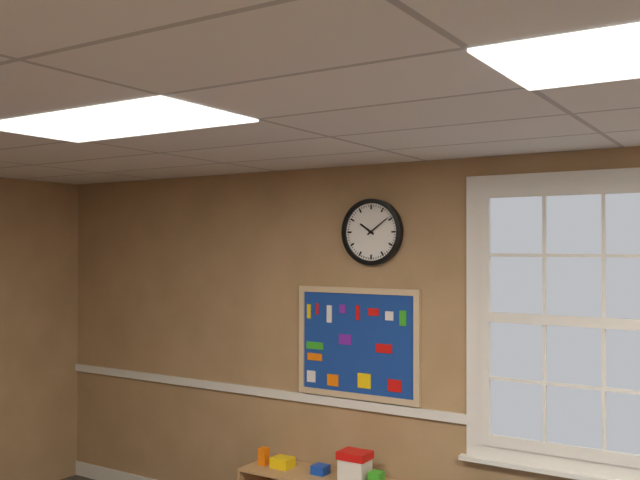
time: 10:09
